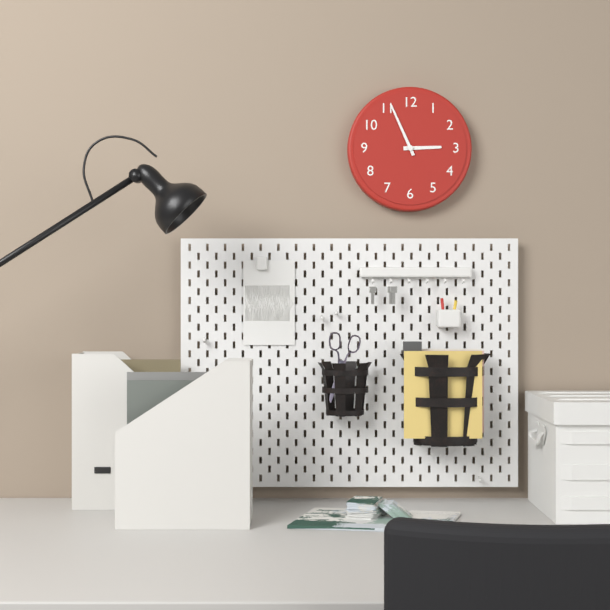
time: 2:56
